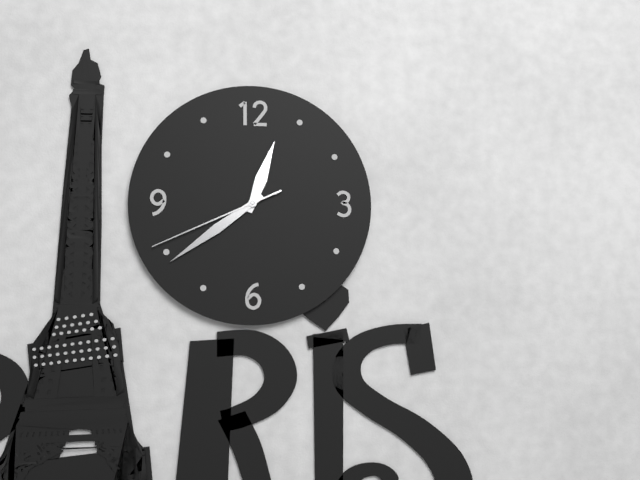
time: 12:39:41
